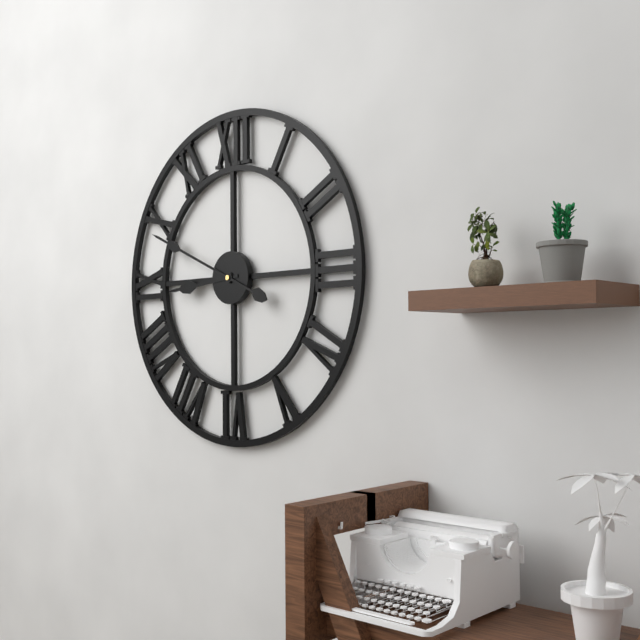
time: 8:49
